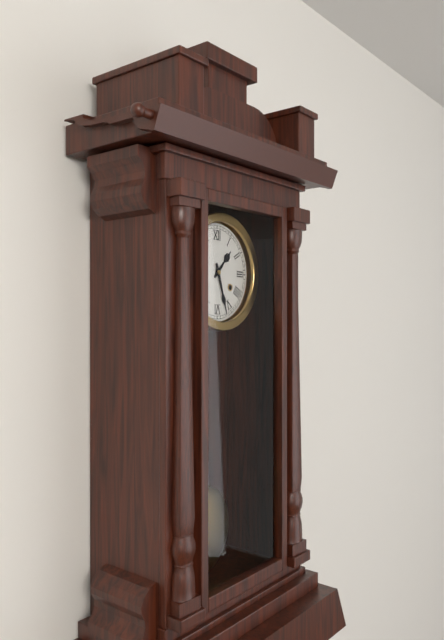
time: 1:27
